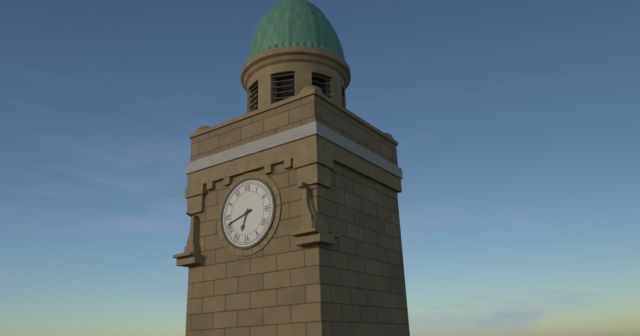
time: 6:42
